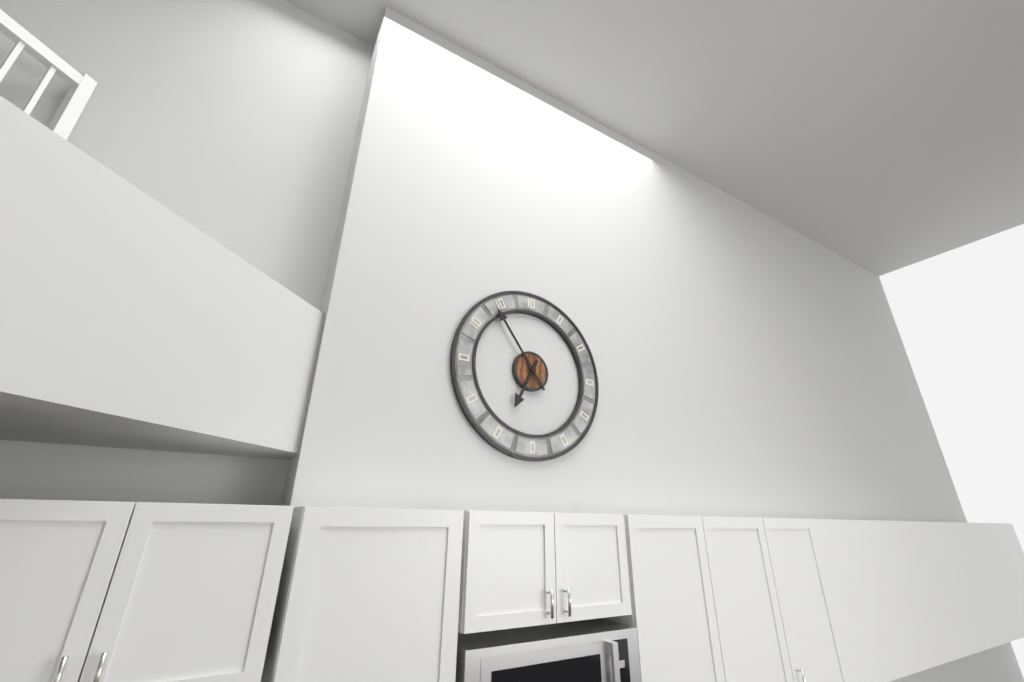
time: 6:54
